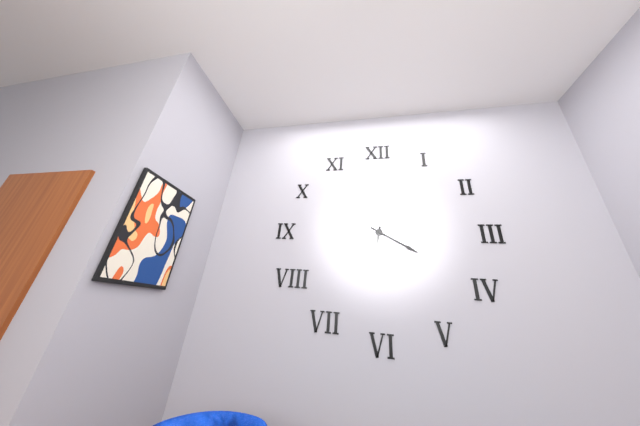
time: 6:20
